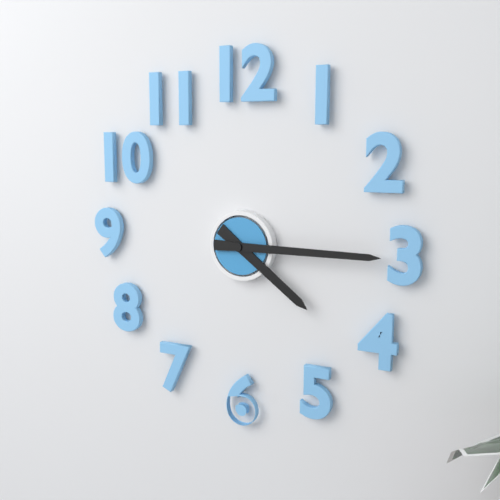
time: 4:15
